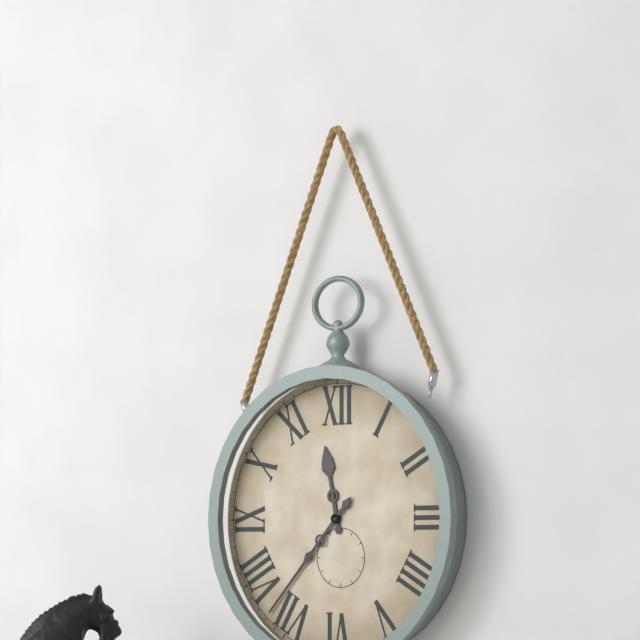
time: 11:37
